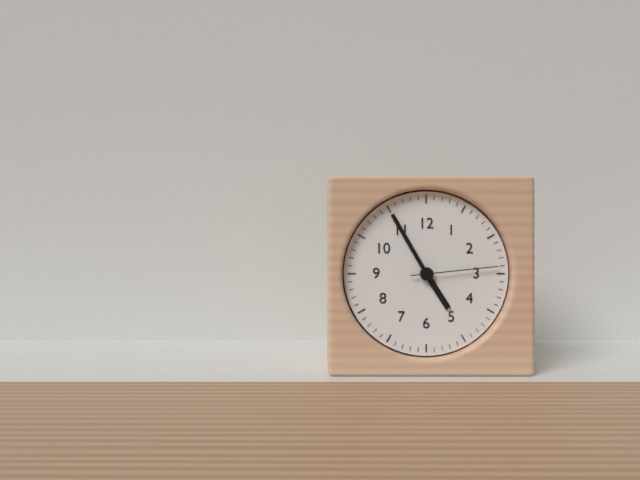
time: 4:55:14
